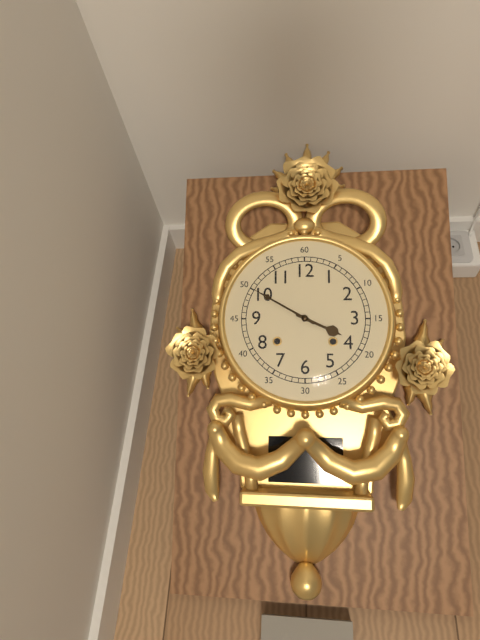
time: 3:50
